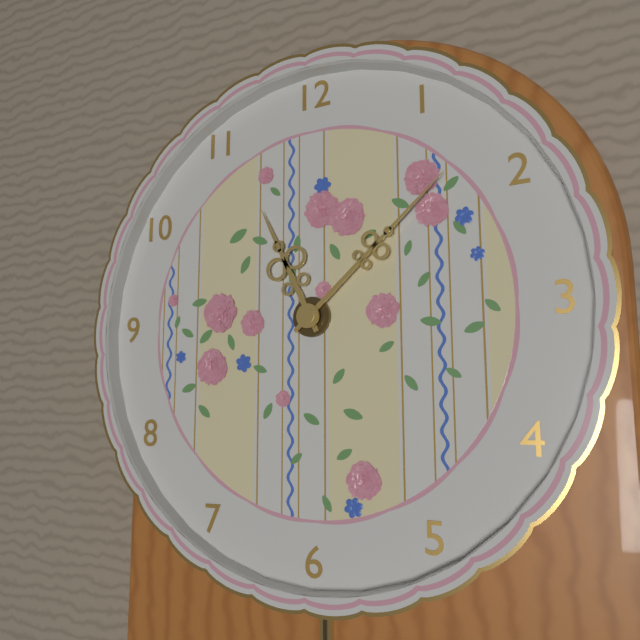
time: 11:08
